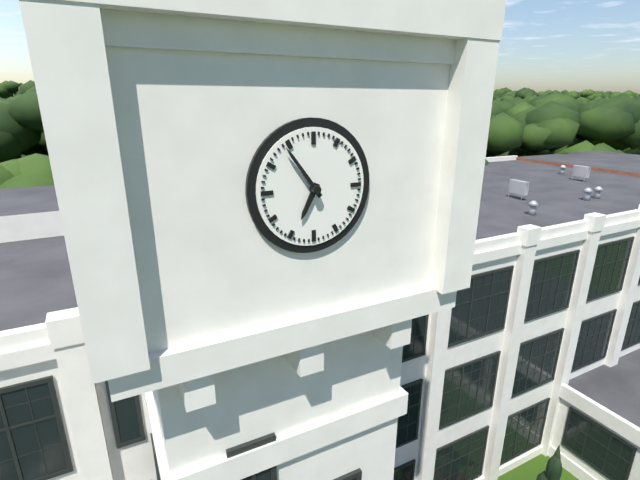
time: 6:54
